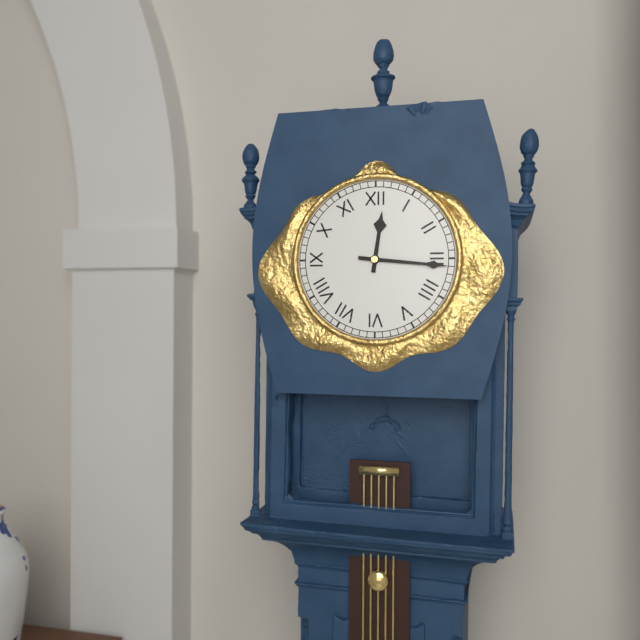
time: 12:16
